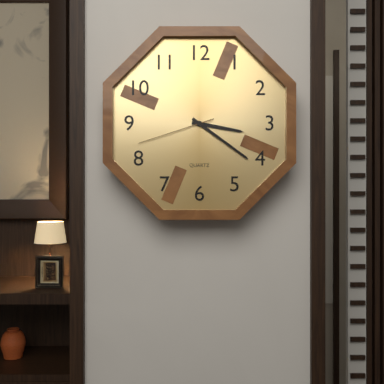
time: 3:21:42
